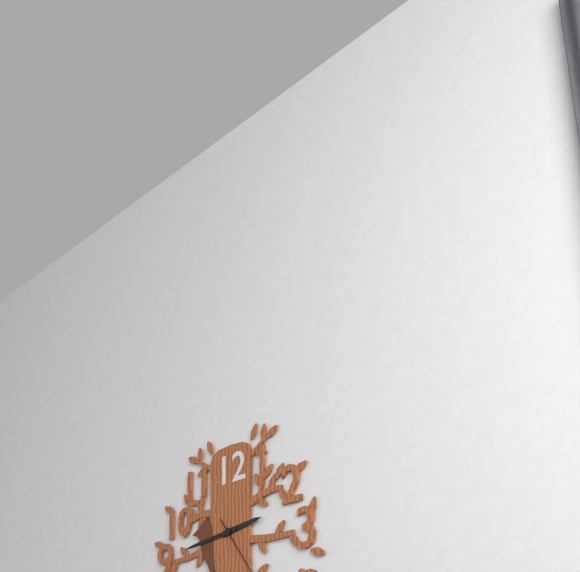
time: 2:44
